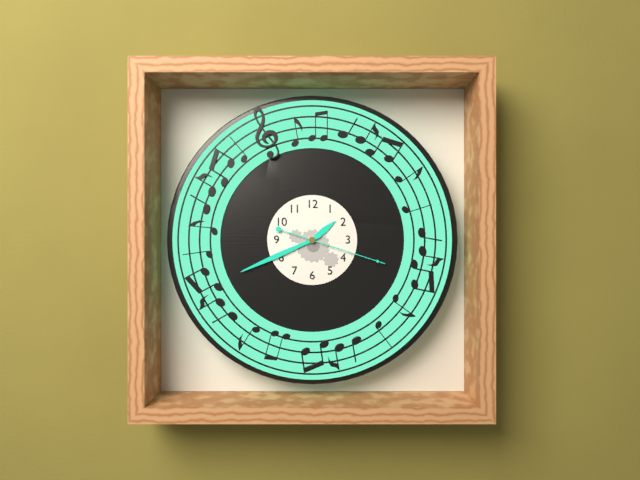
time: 1:41:18
